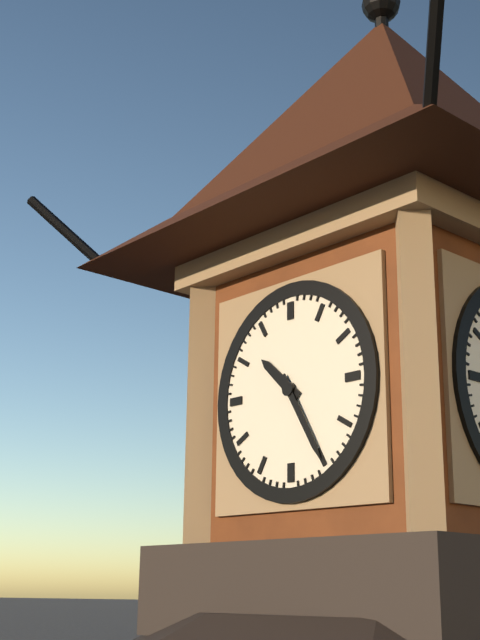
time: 10:25
